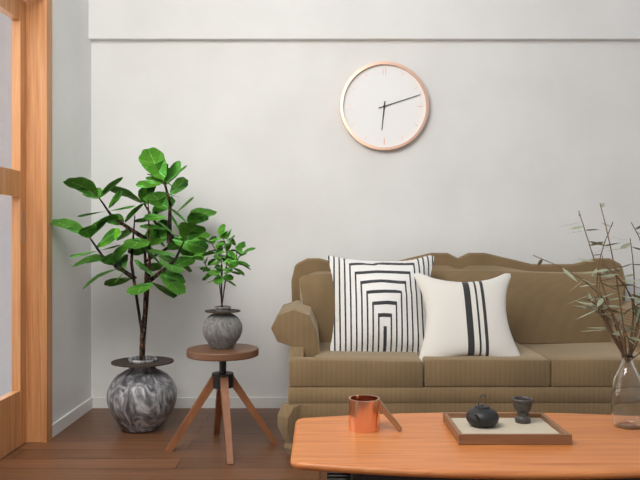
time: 6:12
